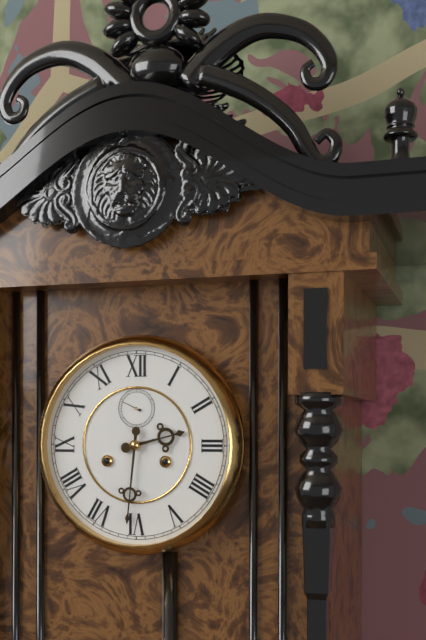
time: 2:31
